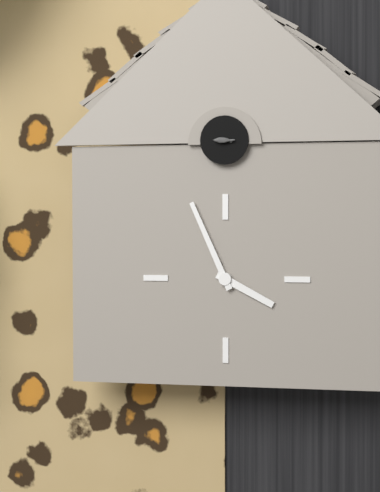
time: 3:56
